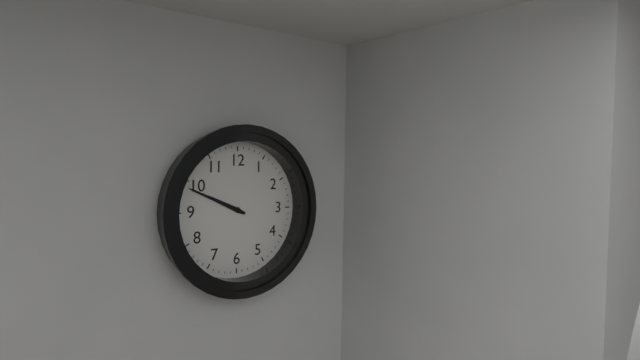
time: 9:49
